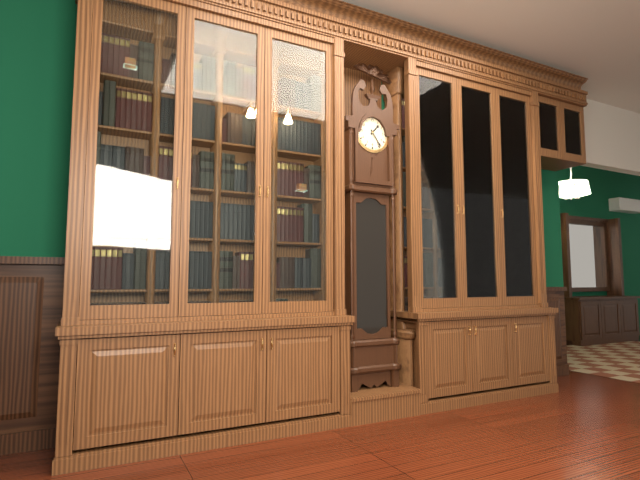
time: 1:24
